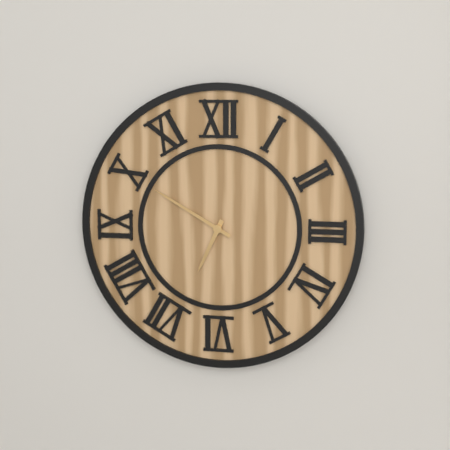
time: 6:50
